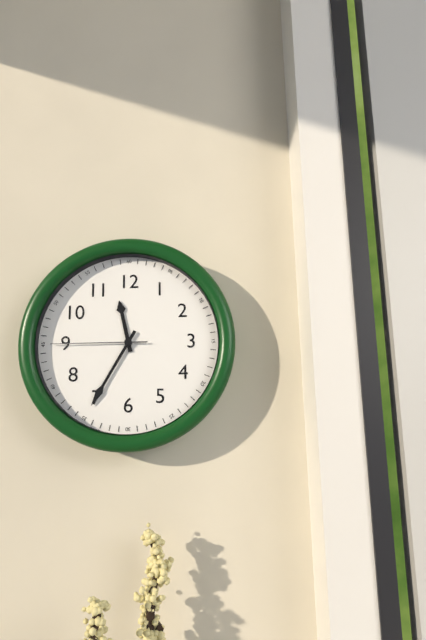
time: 11:35:45
